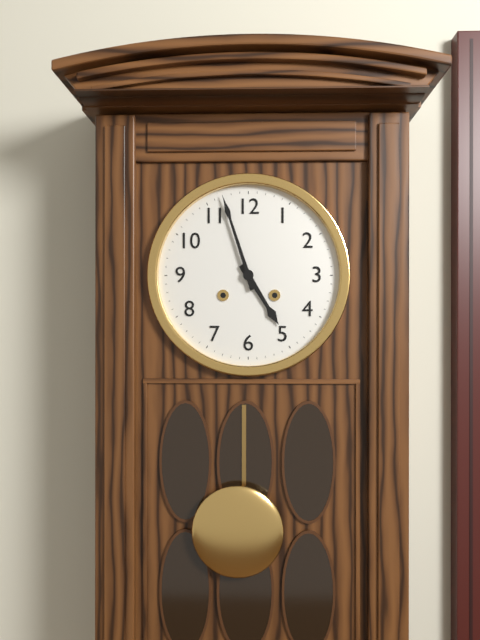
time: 4:57
